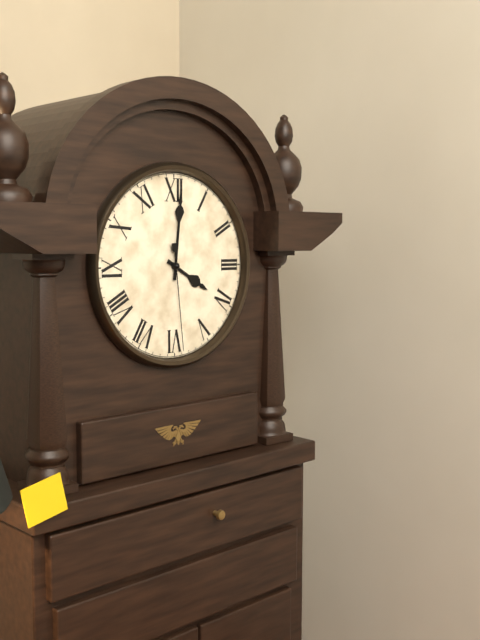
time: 4:01:29
